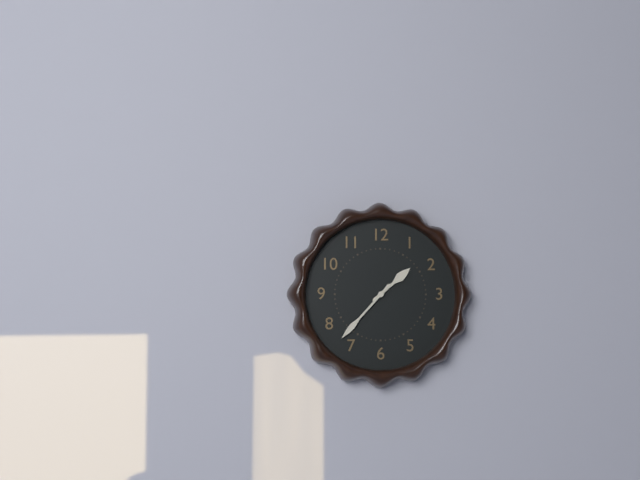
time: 1:37
